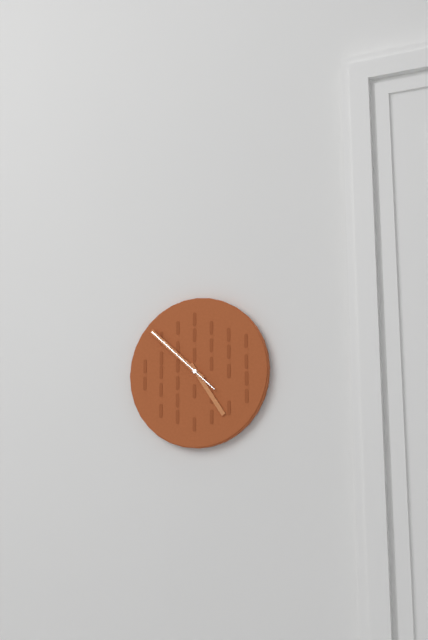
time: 4:52:52
